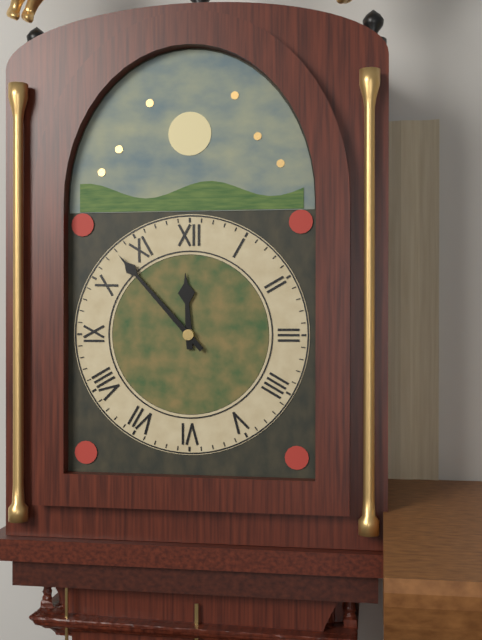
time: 11:53
